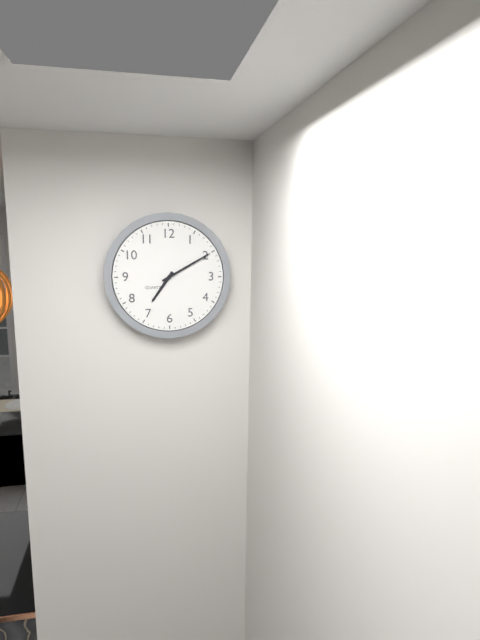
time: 7:10
